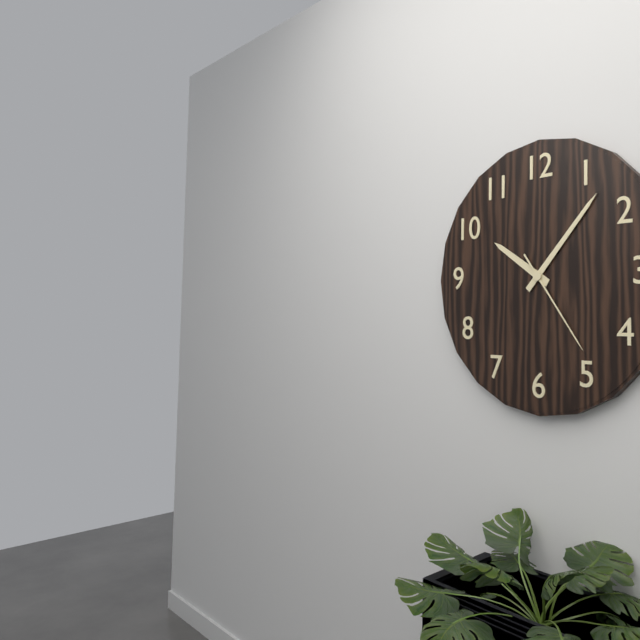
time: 10:07:24
